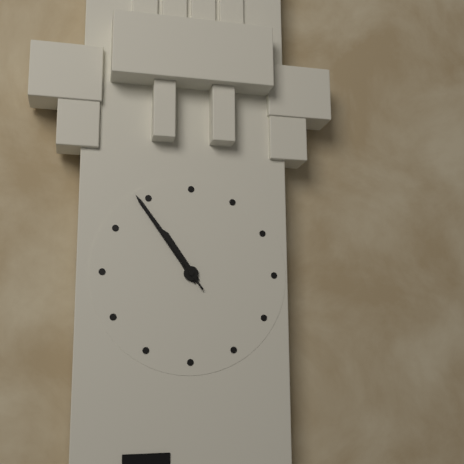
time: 10:54:54
